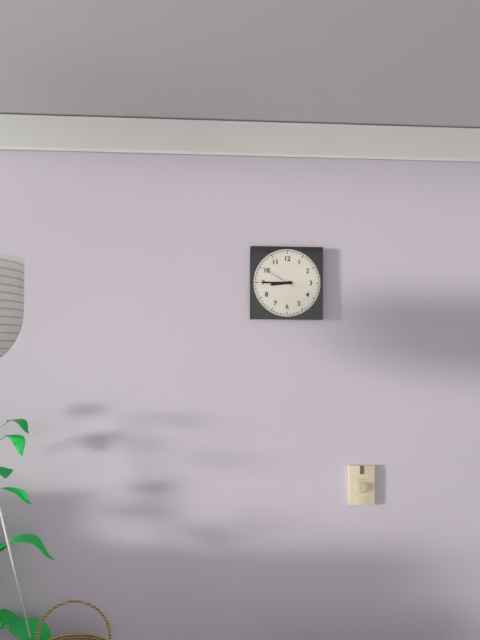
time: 8:45
